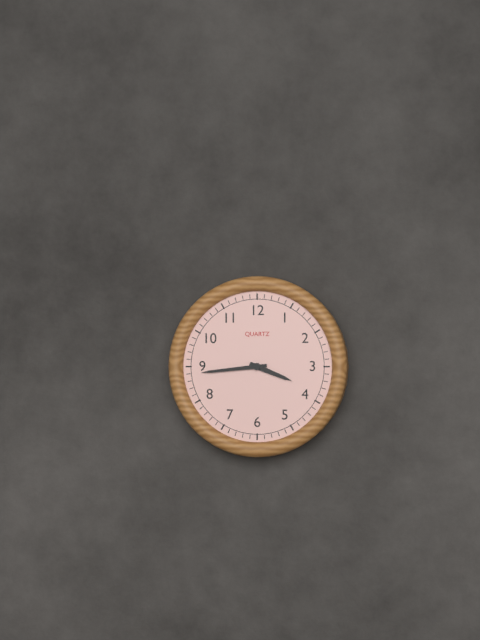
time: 3:44
